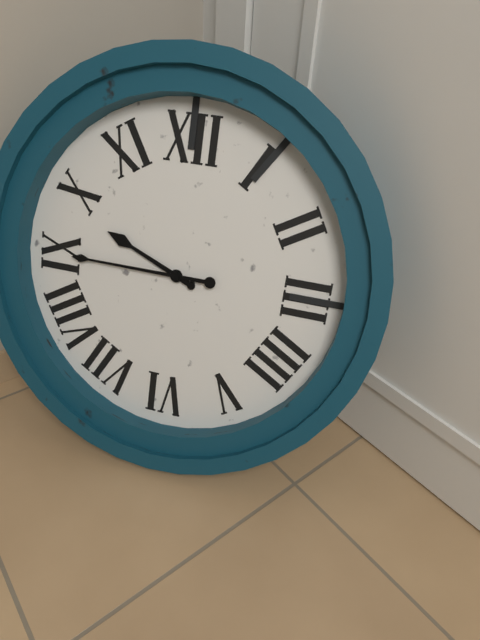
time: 9:45
